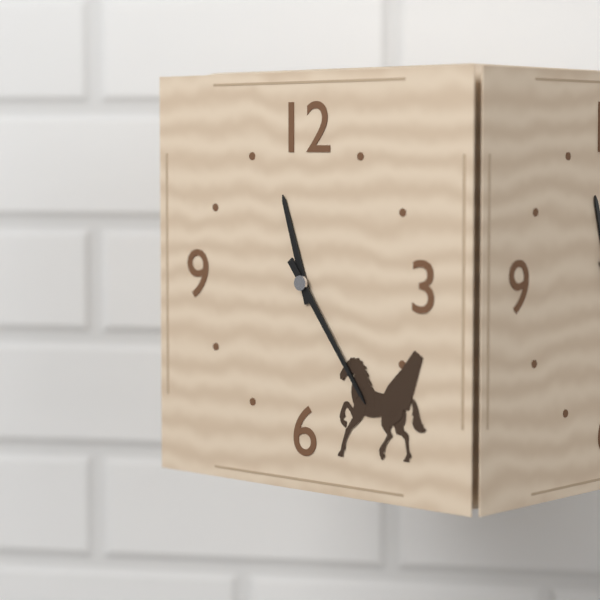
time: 11:24
